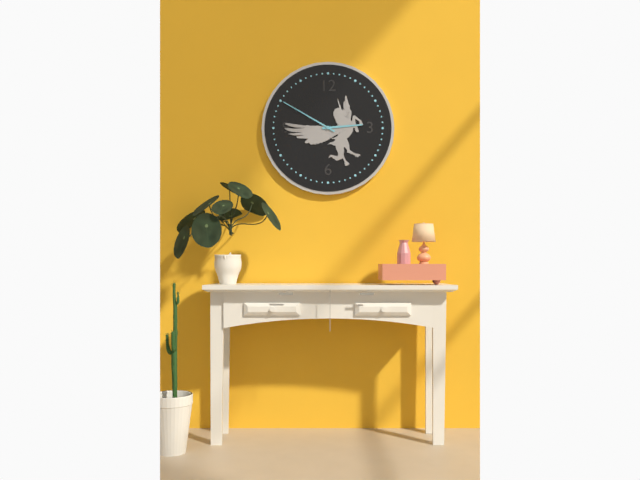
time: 2:50
